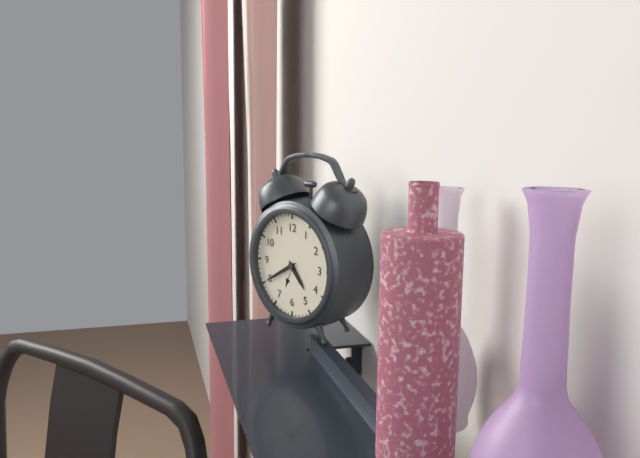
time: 4:40
